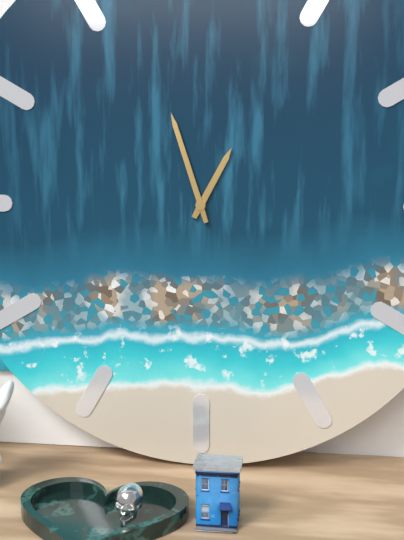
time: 12:57
